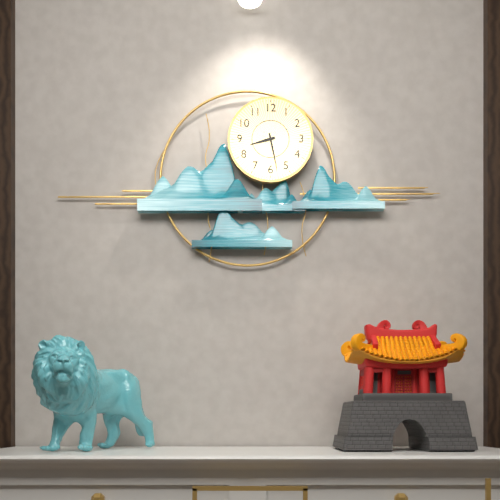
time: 8:28
